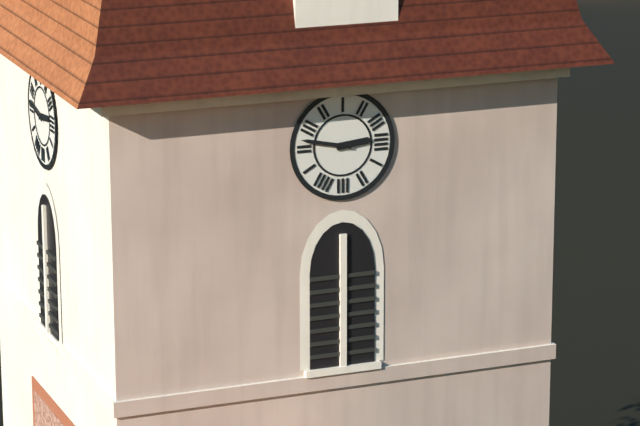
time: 2:47
